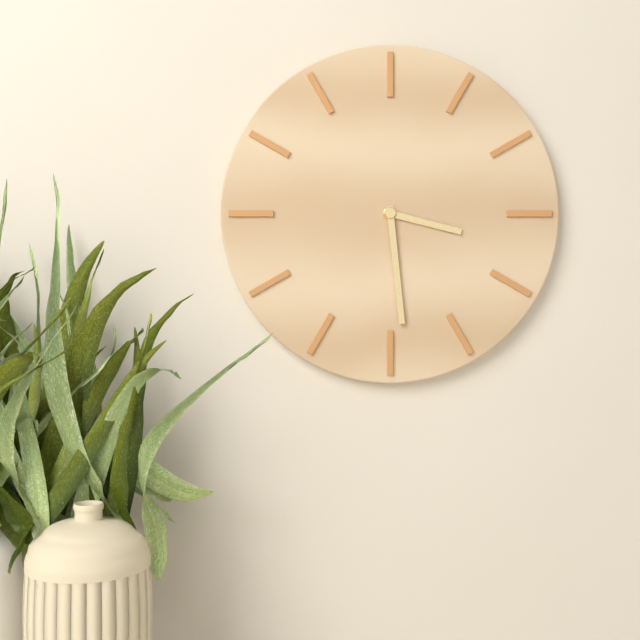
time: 3:29
